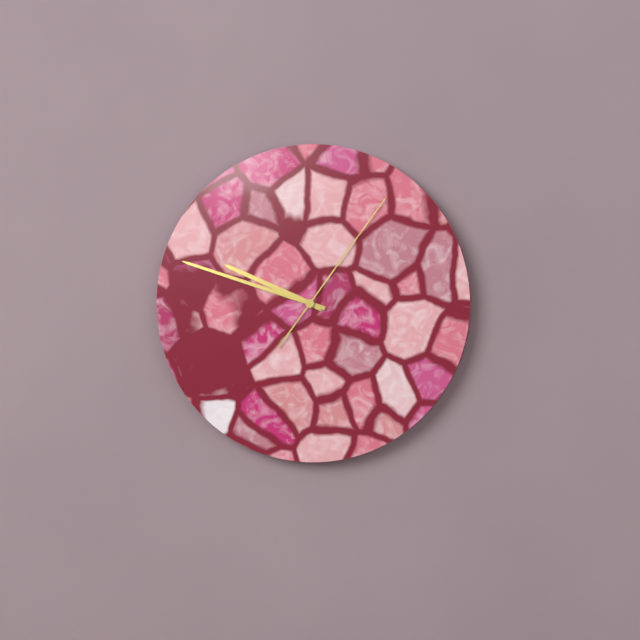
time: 9:48:06
